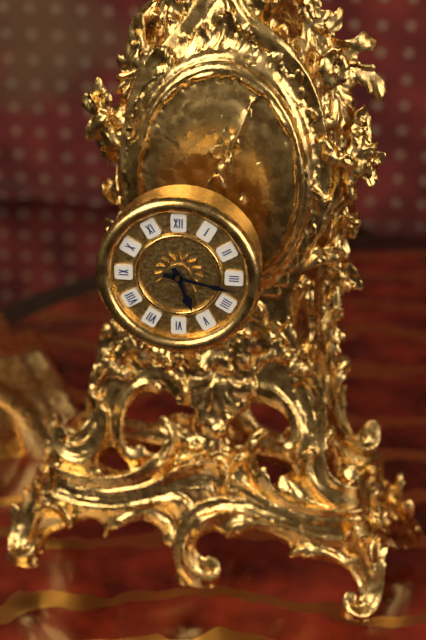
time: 5:17
